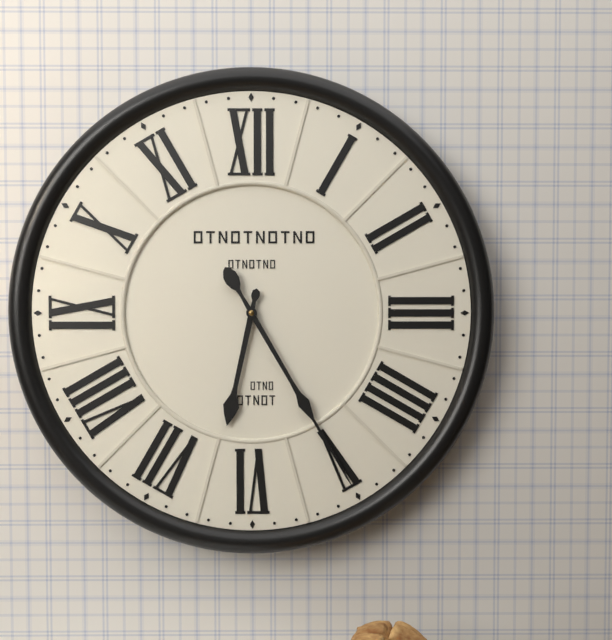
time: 6:25
